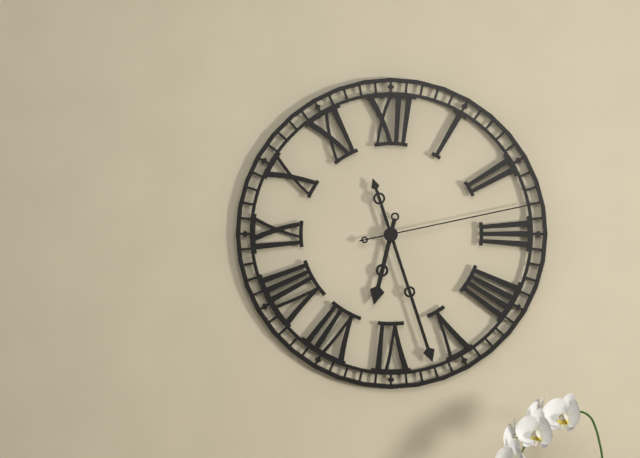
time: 6:27:13
